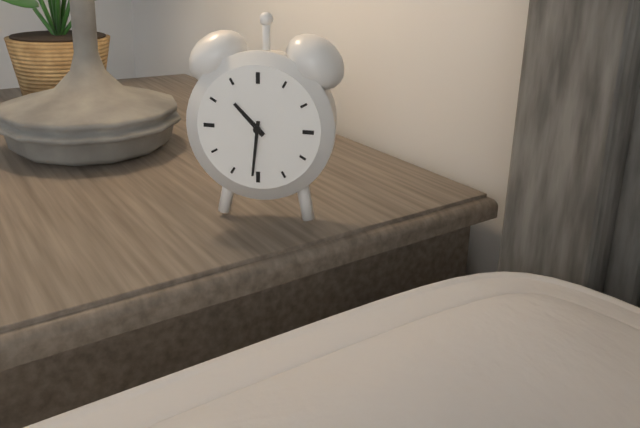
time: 10:31
